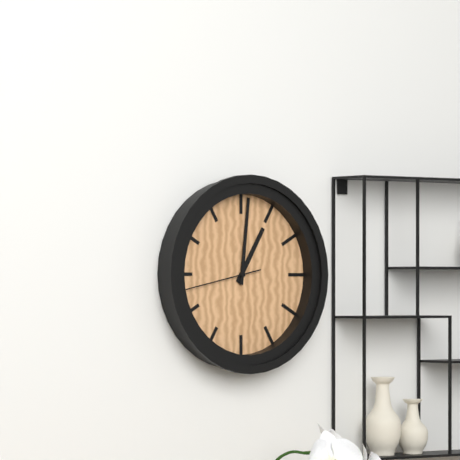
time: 1:01:43
